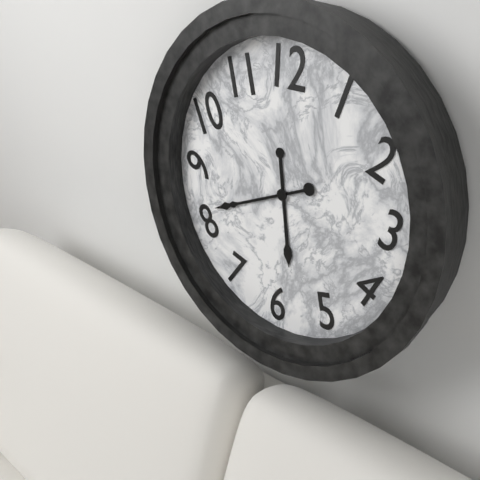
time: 5:41
